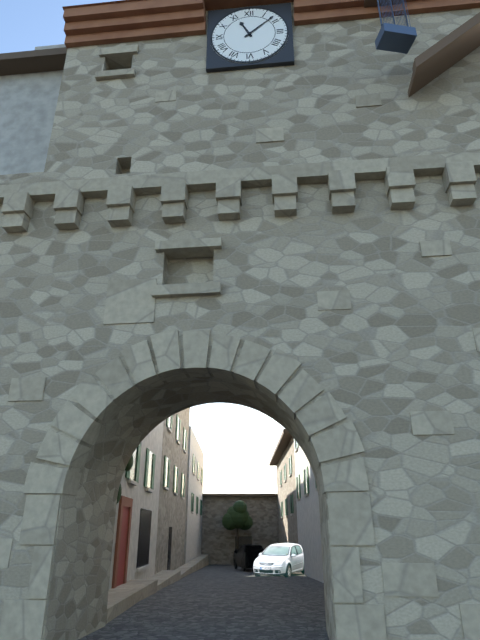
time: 11:08
